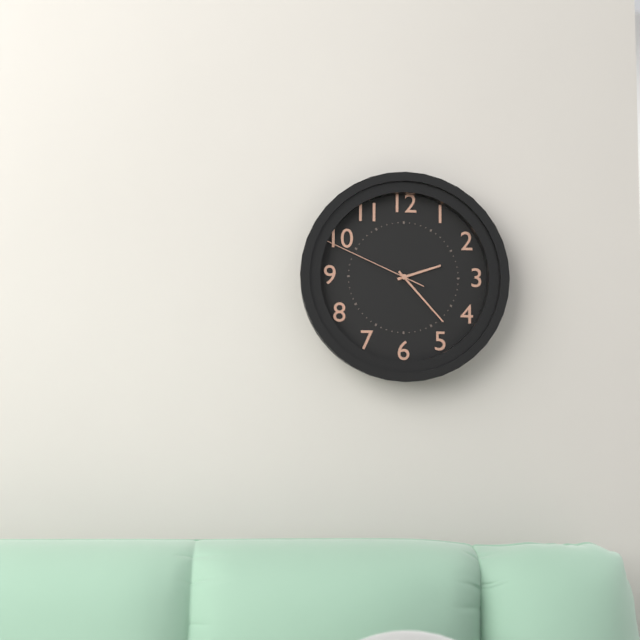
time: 2:23:49
